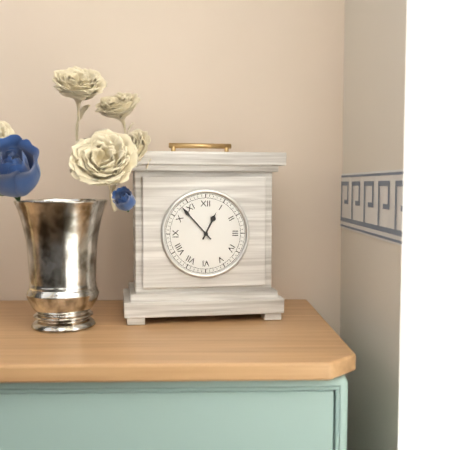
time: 12:53
